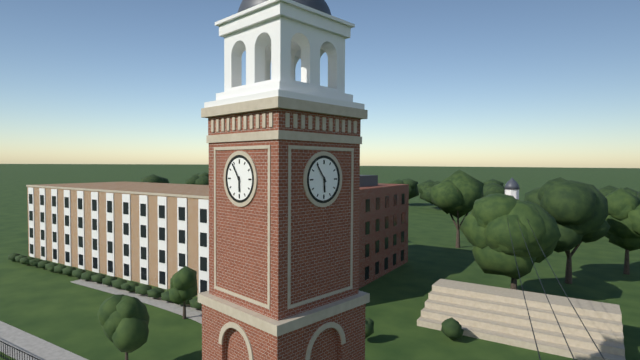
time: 5:54
